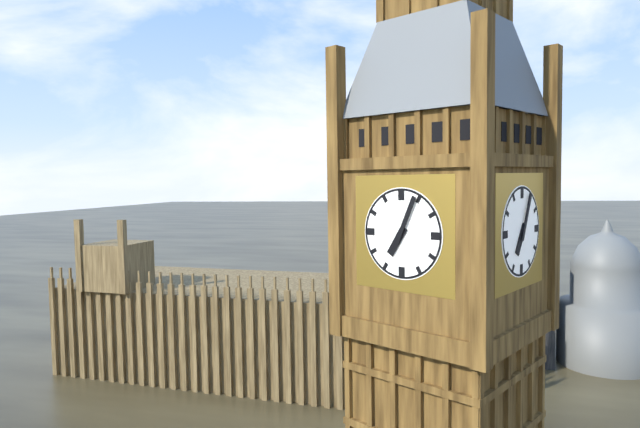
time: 7:04
